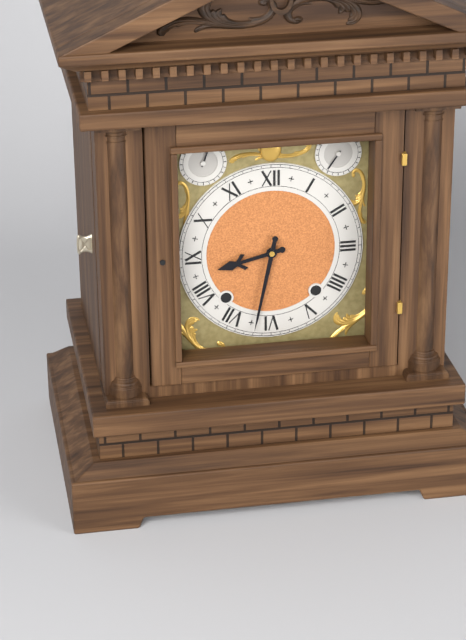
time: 8:32
